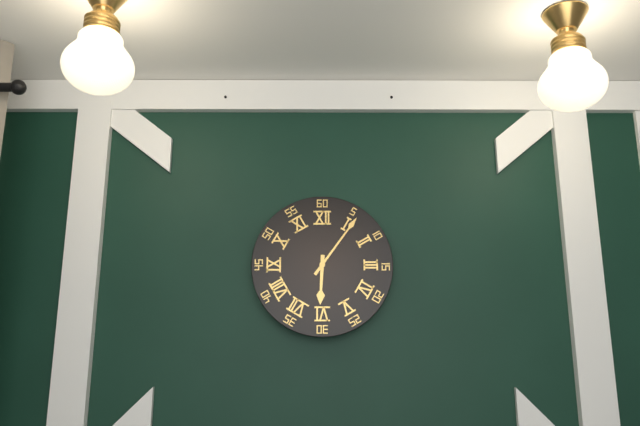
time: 6:06
